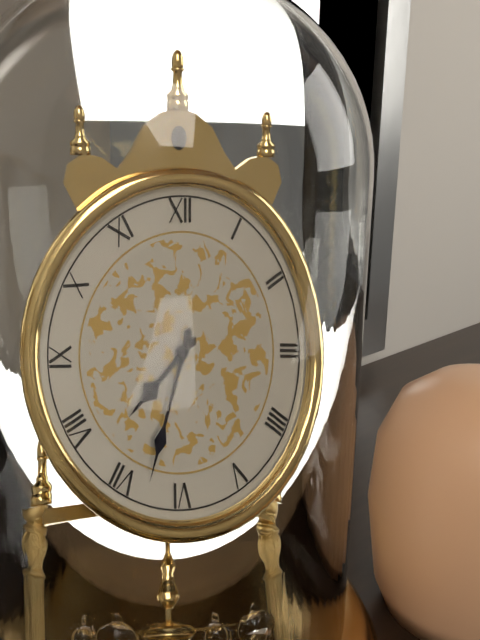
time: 7:33
